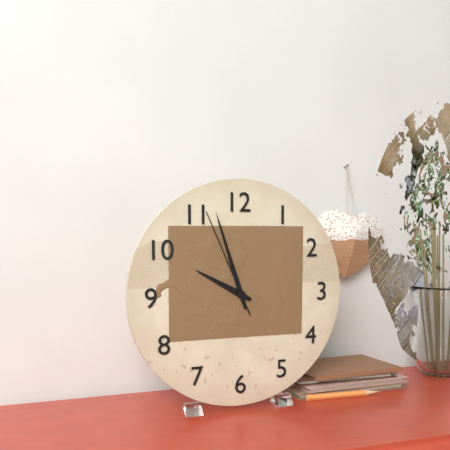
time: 9:57:56
